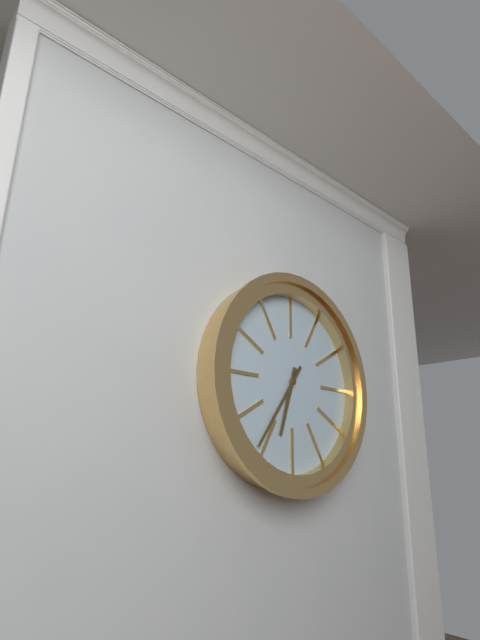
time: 6:36
